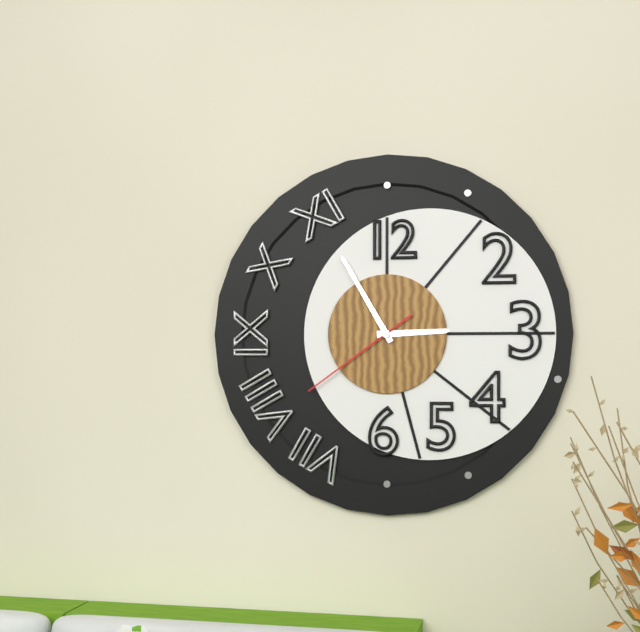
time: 2:55:39
